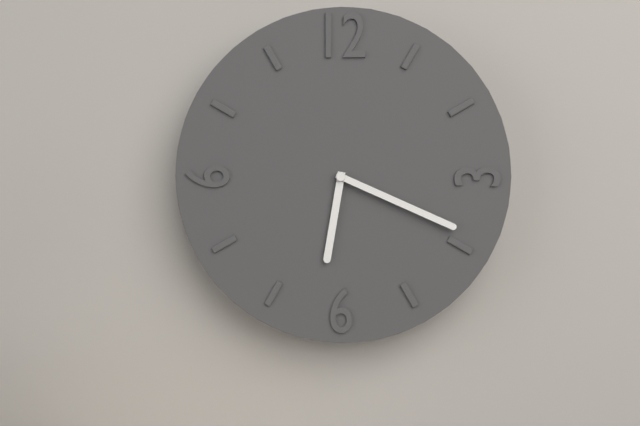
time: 6:19
